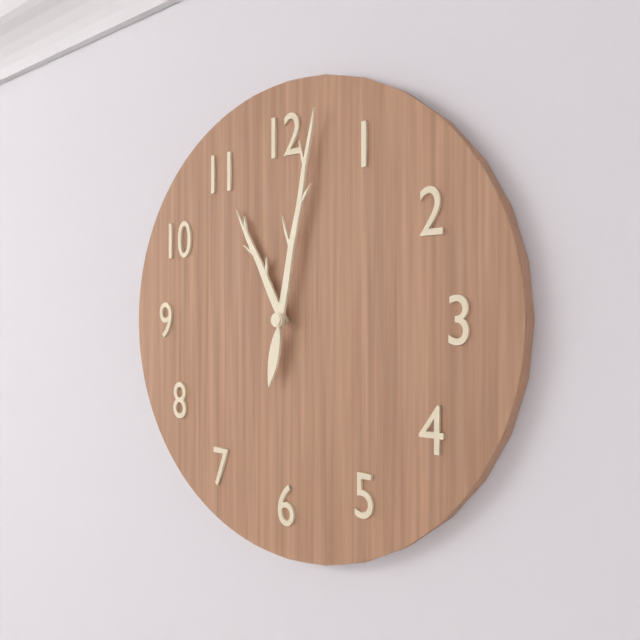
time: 11:02
